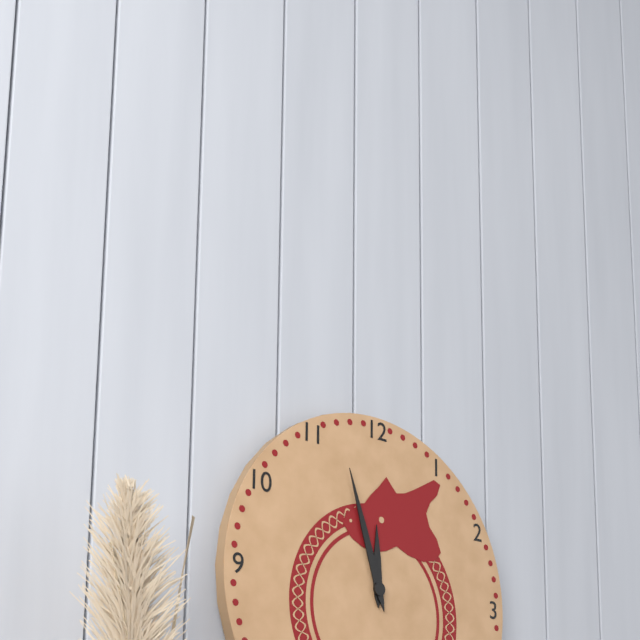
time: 11:57
